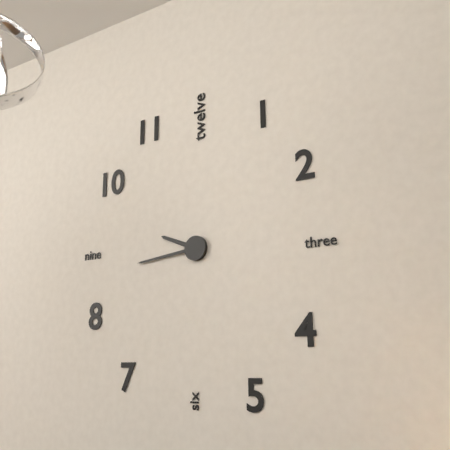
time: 9:44
